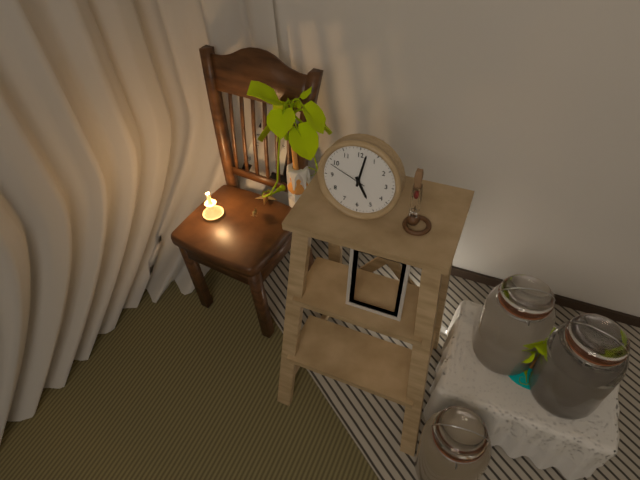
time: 5:02
